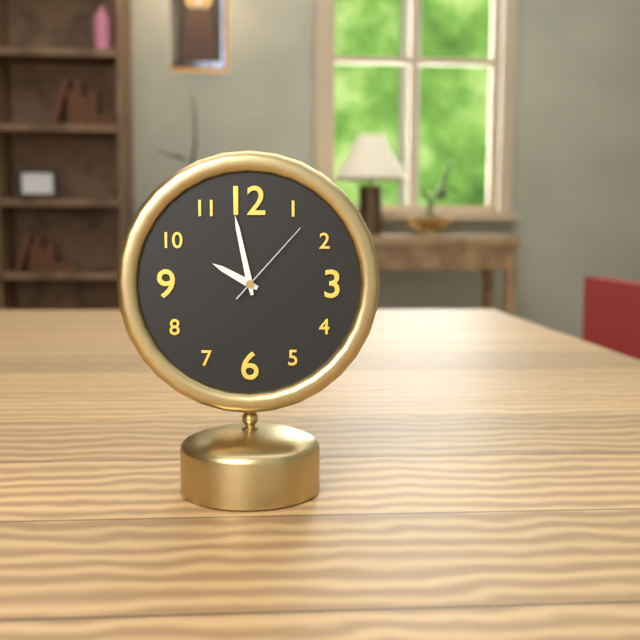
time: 9:58:07
